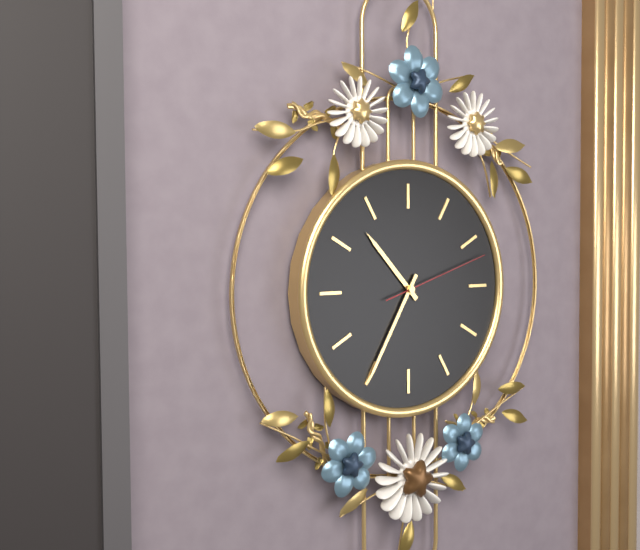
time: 10:35:12
